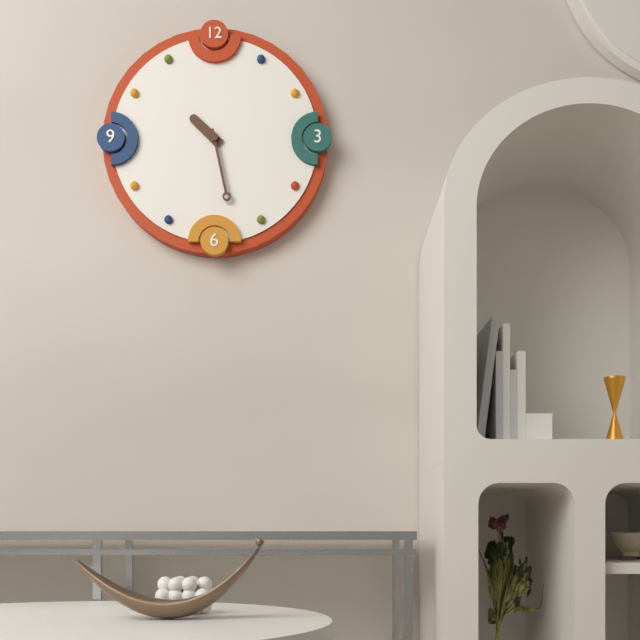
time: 10:28
